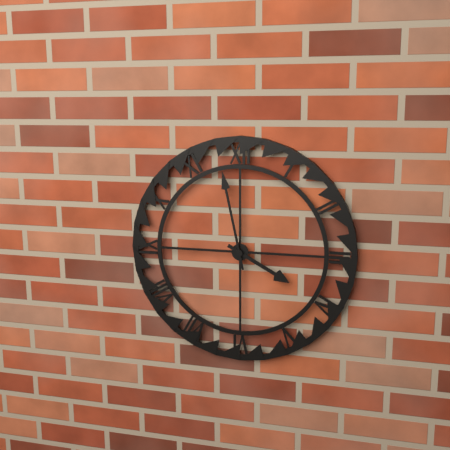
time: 3:58
